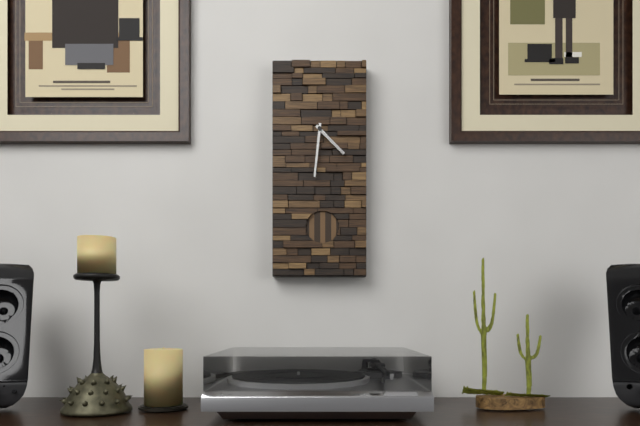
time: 4:31
